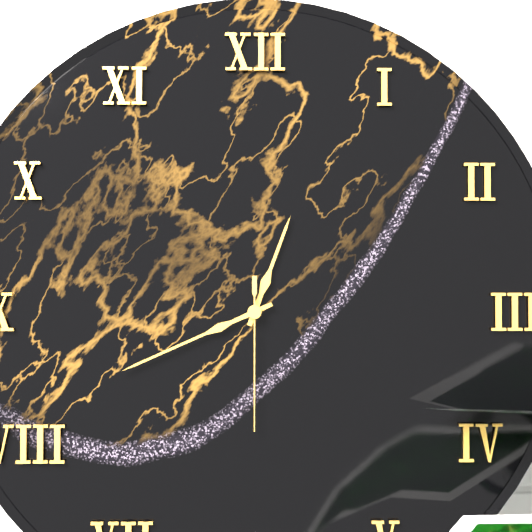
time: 12:41:30
